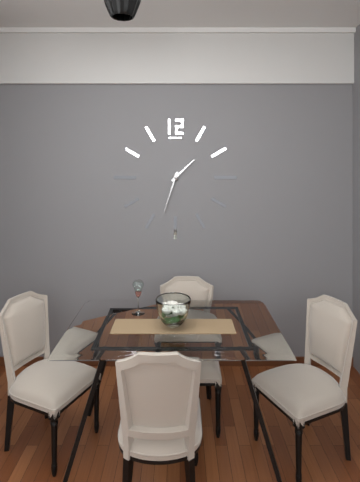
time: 1:33
